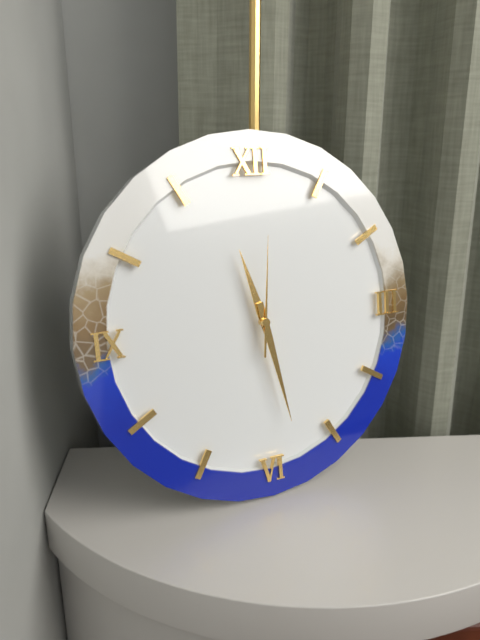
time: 11:28:01
